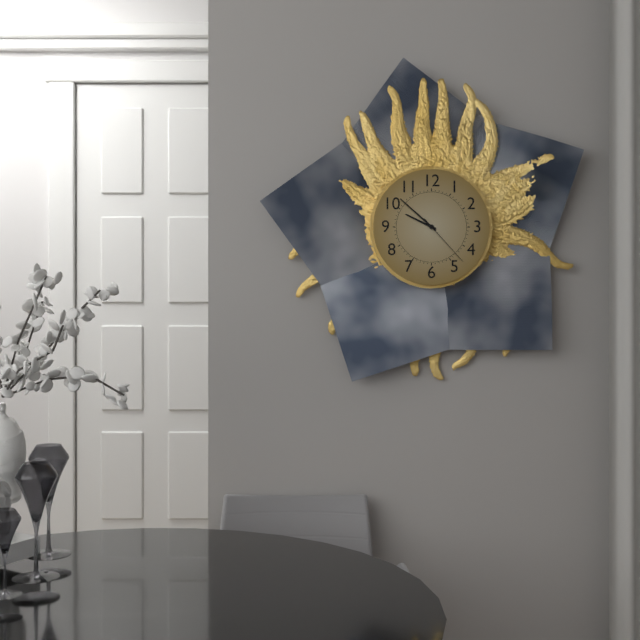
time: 9:52:23
